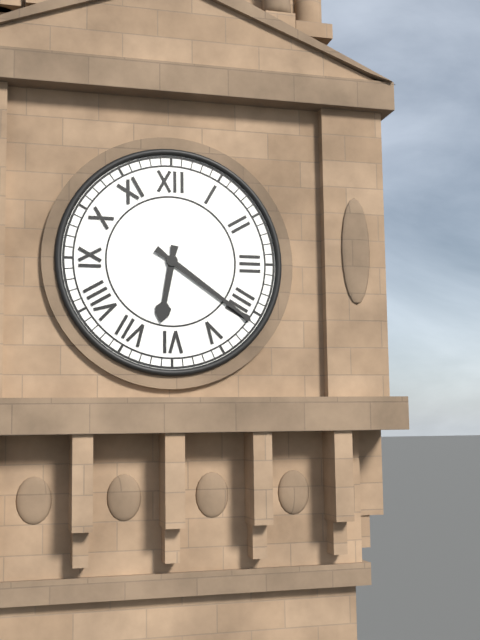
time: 6:21
